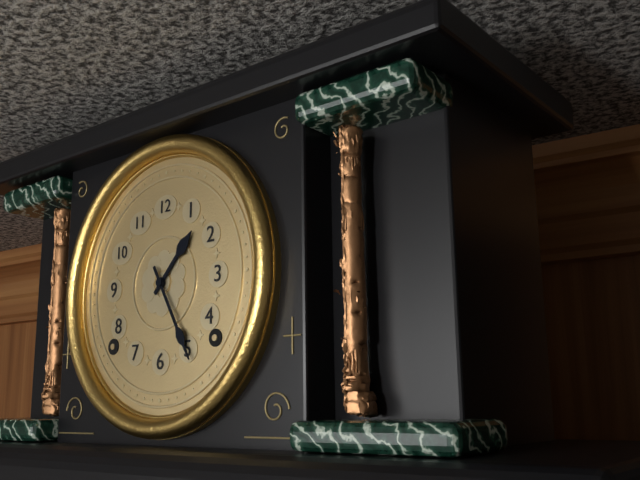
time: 1:25
